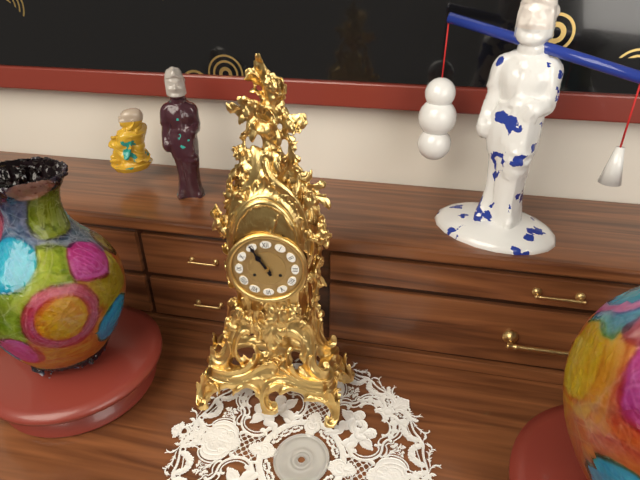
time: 10:55
